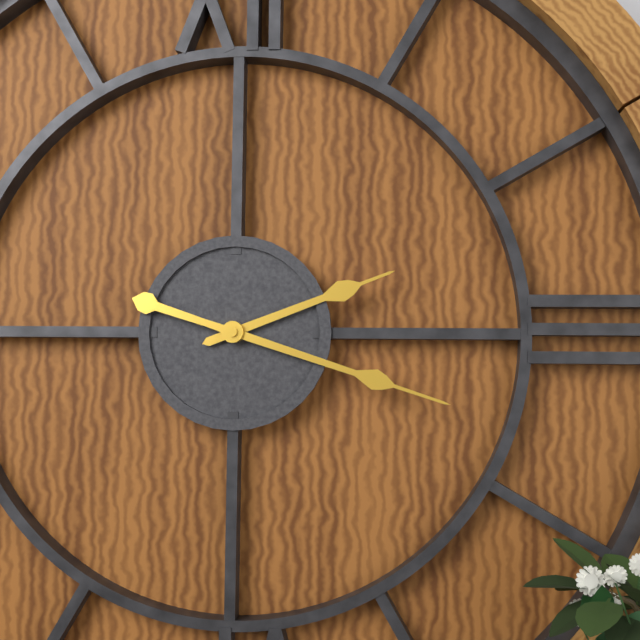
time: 2:18
